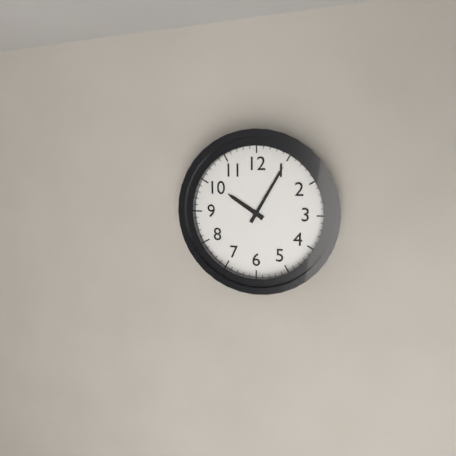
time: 10:05
